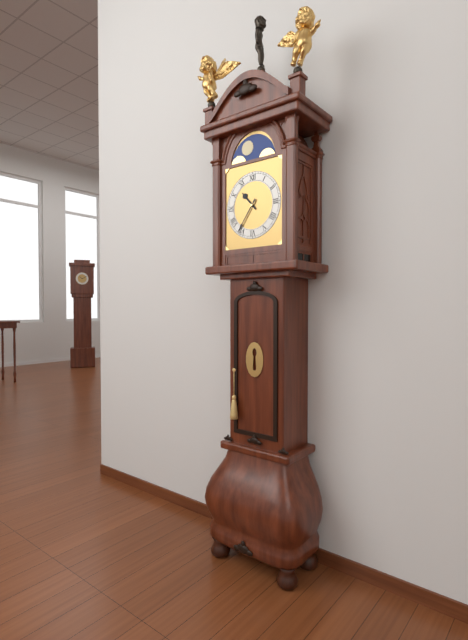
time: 10:36
